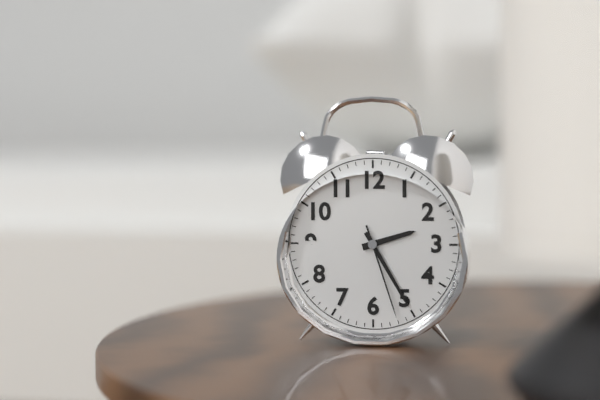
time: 2:25:27
